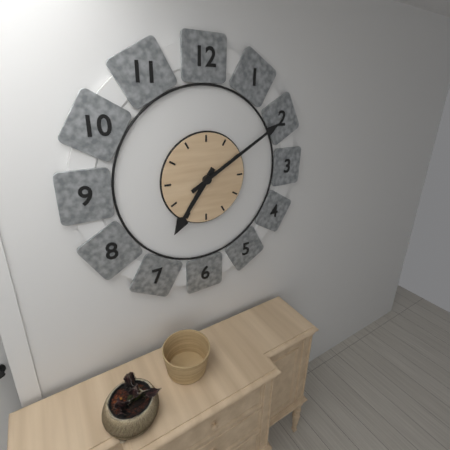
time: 7:10
